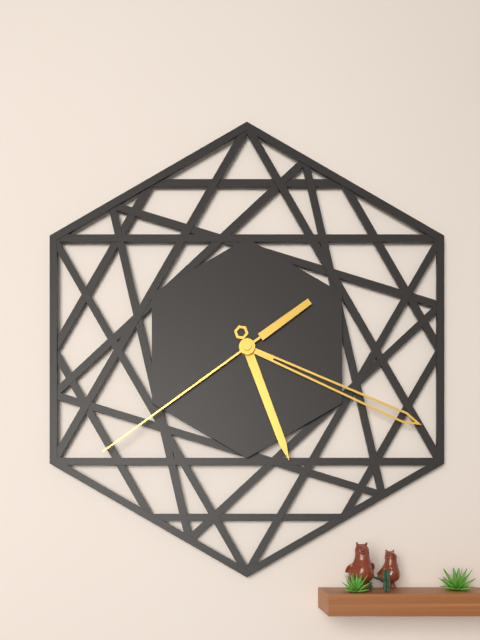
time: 5:19:39
